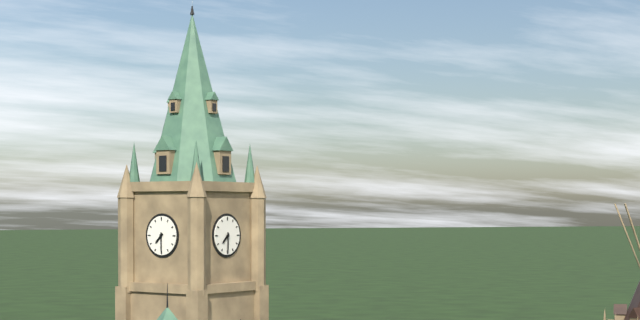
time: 7:30
